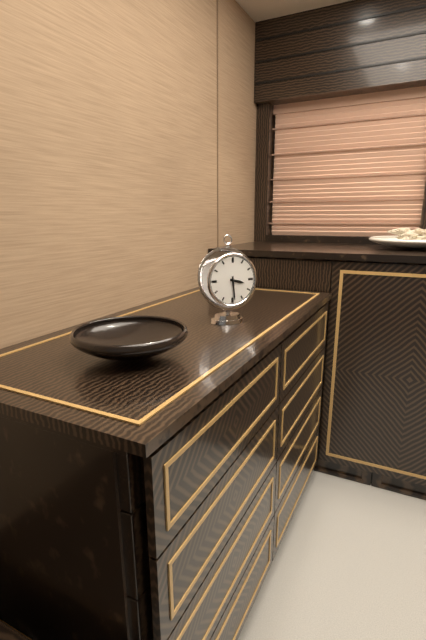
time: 3:29
